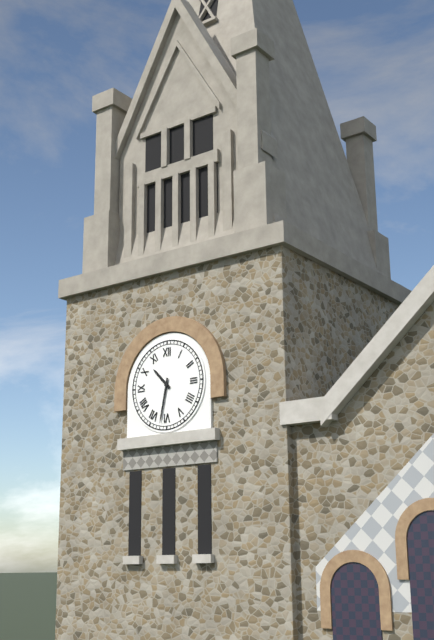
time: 10:32
